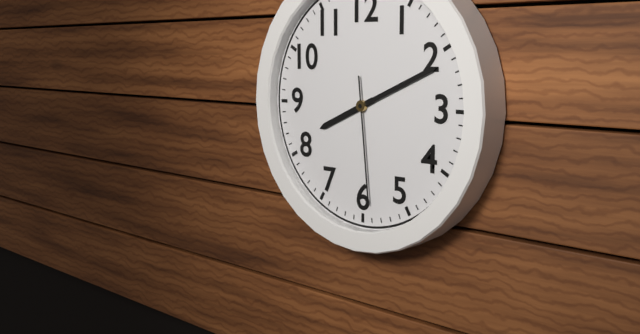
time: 8:11:29
